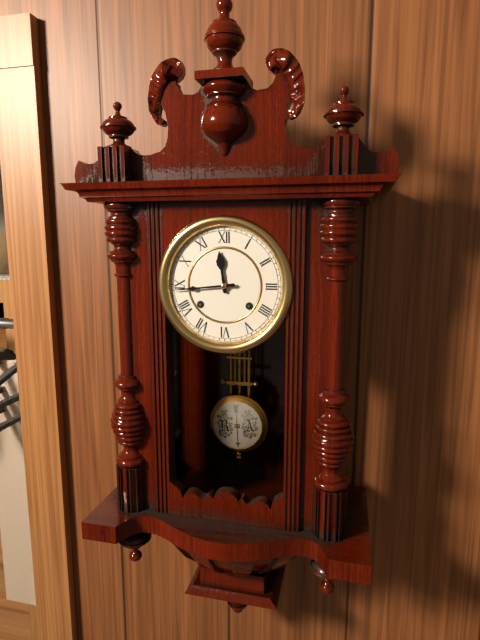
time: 11:44
